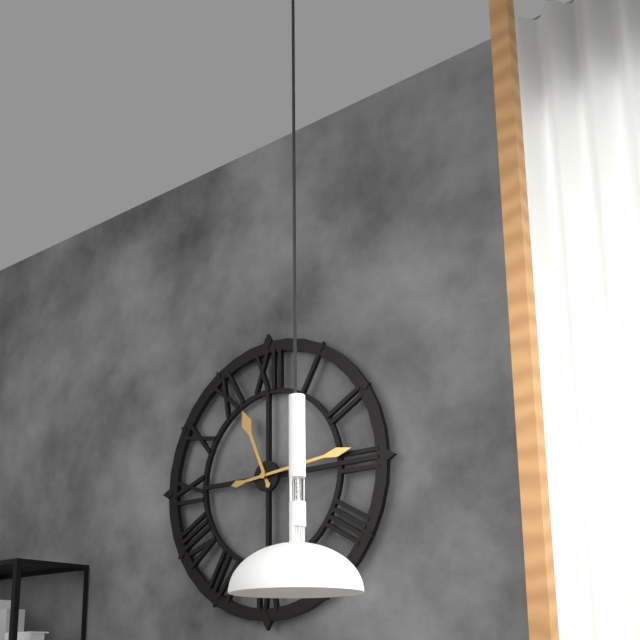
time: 11:14
